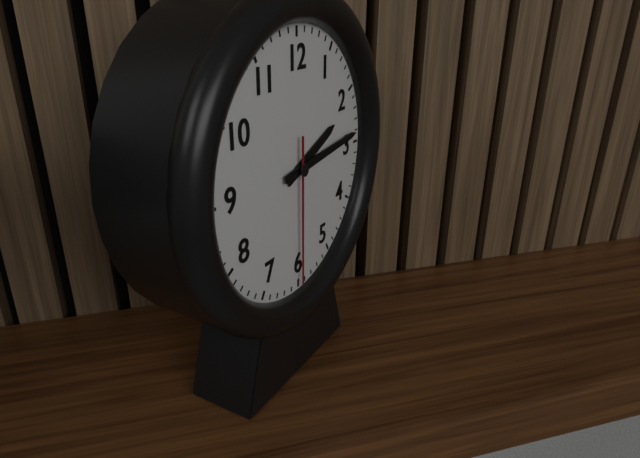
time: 2:14:30
